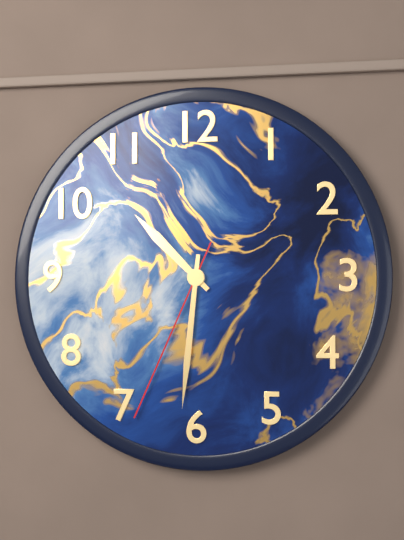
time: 10:31:34
